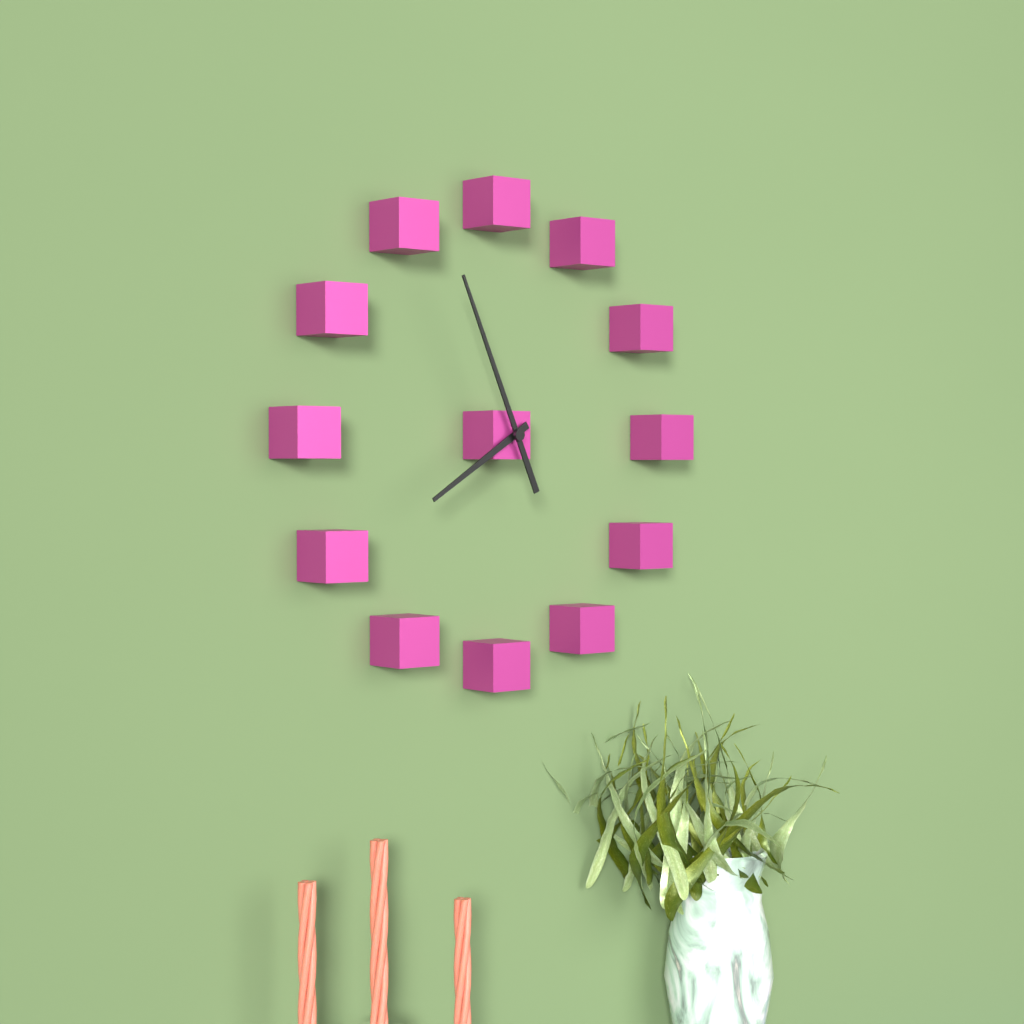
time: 7:56
